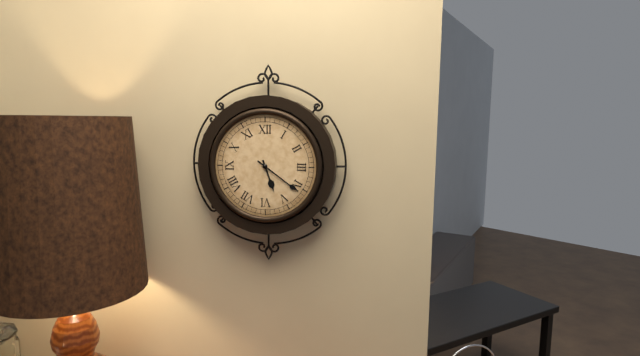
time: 5:21
